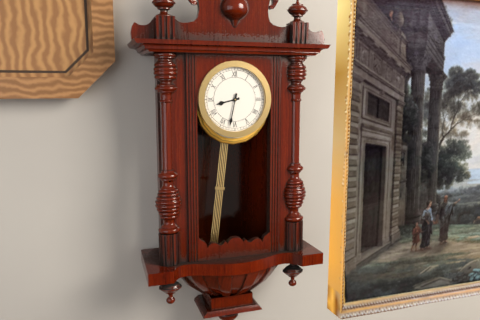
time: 8:32
